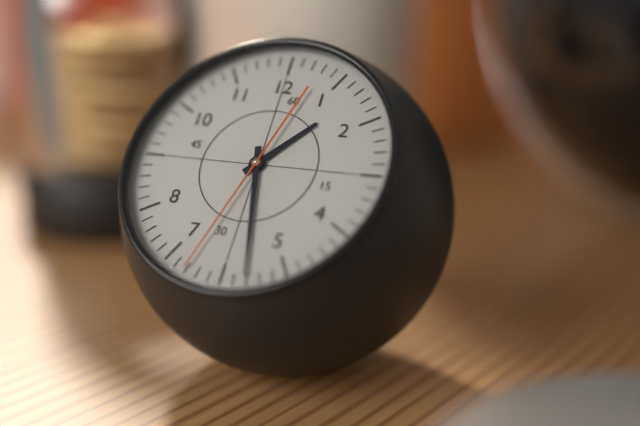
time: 1:28:33
